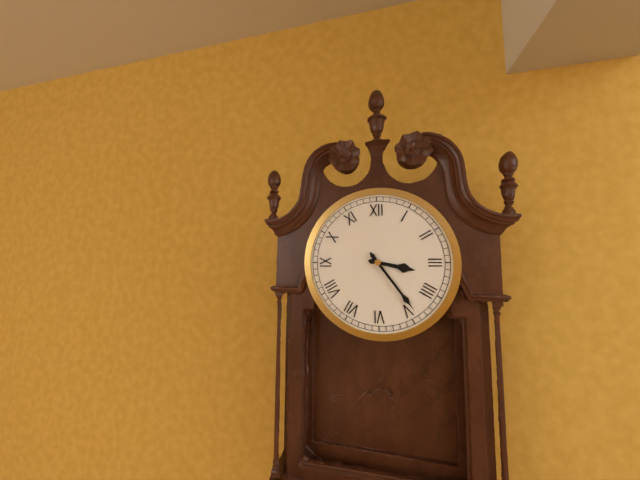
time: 3:24
